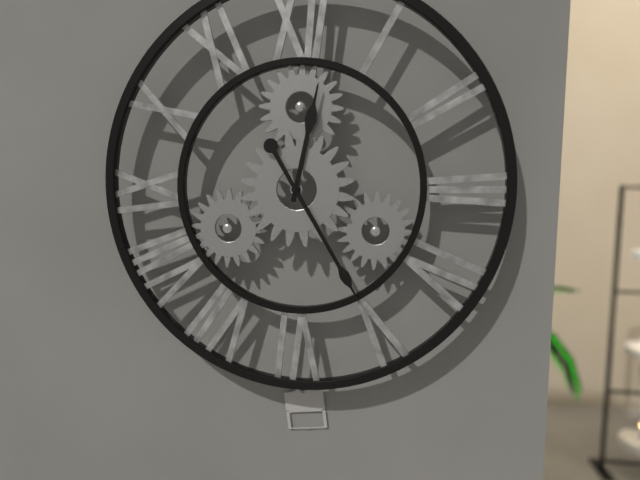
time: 12:25
